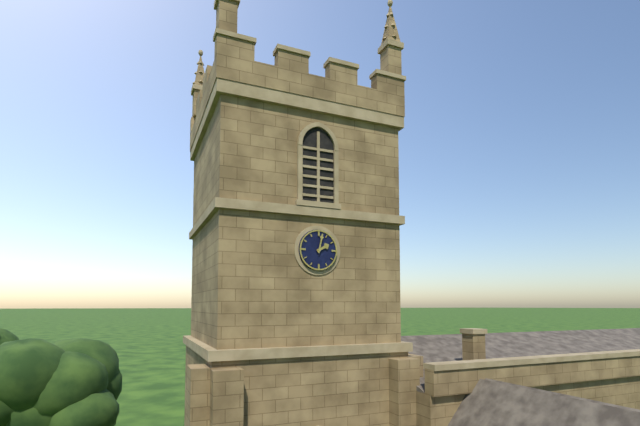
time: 2:02
